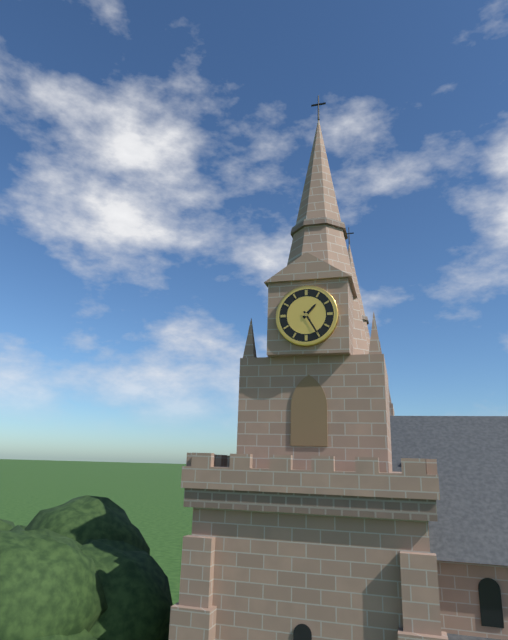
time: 1:25
